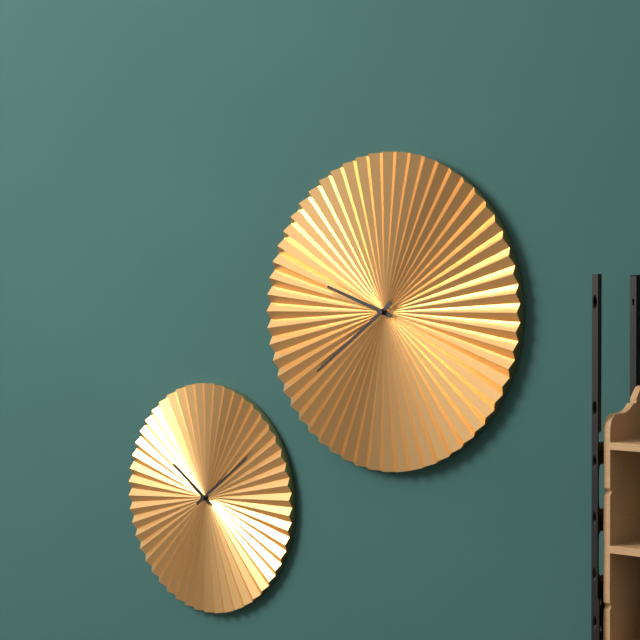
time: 9:39
